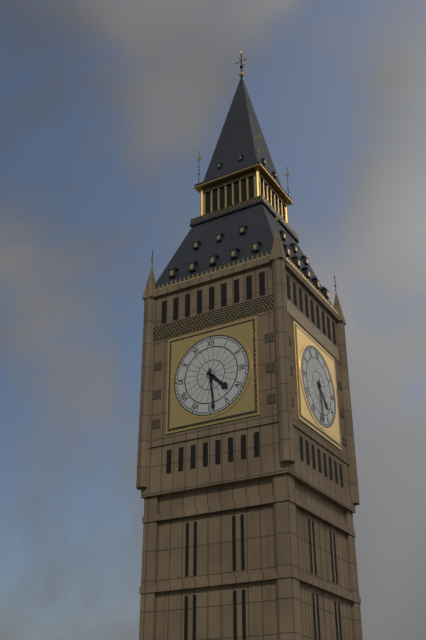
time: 4:29
